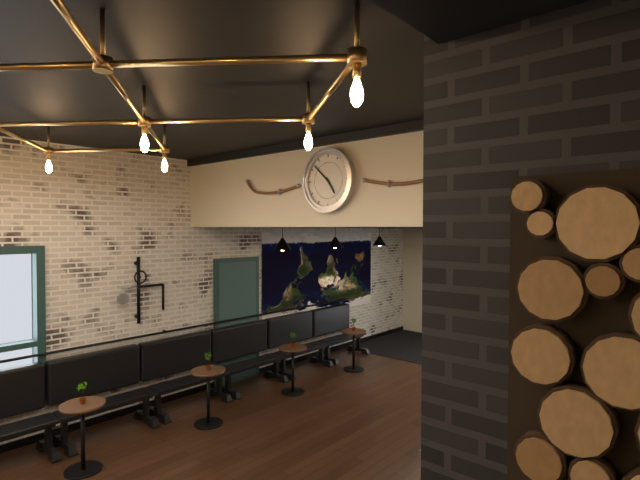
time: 4:52
